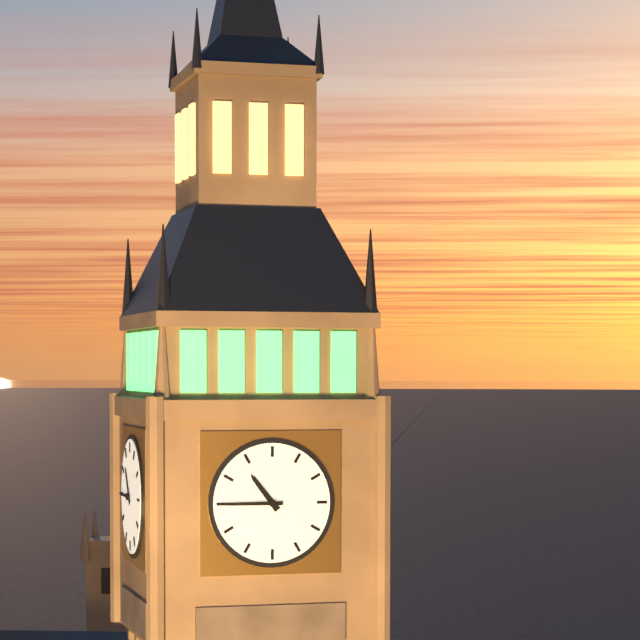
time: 10:45
